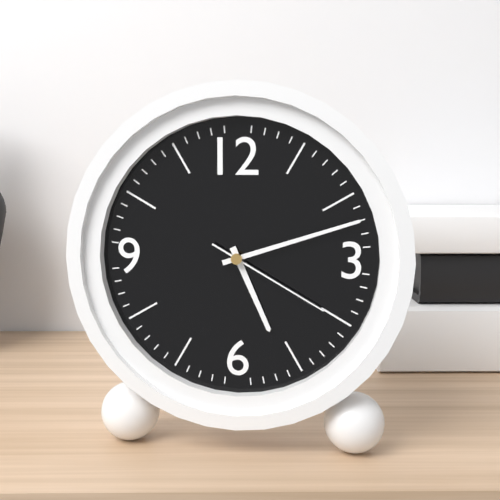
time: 5:12:20
